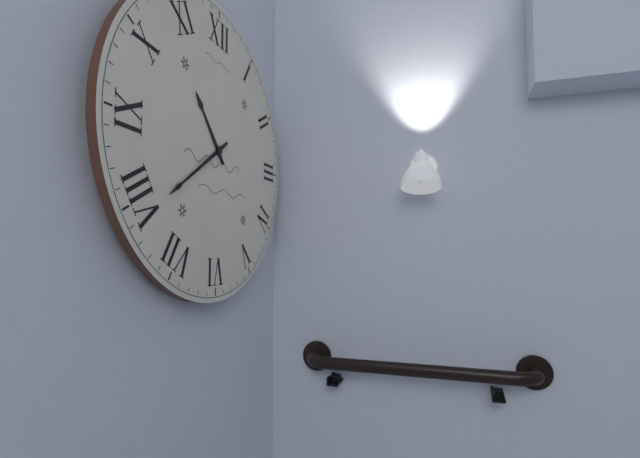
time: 10:39
